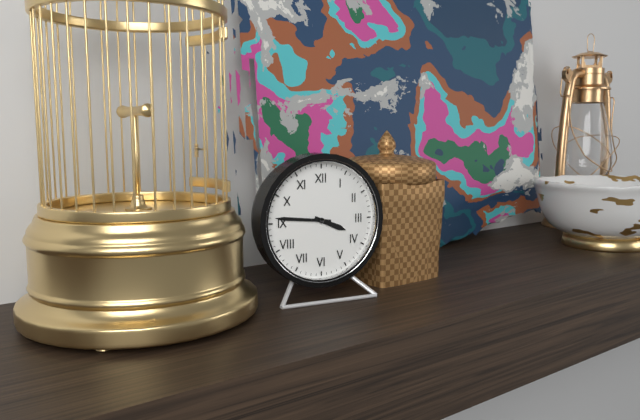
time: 3:46
